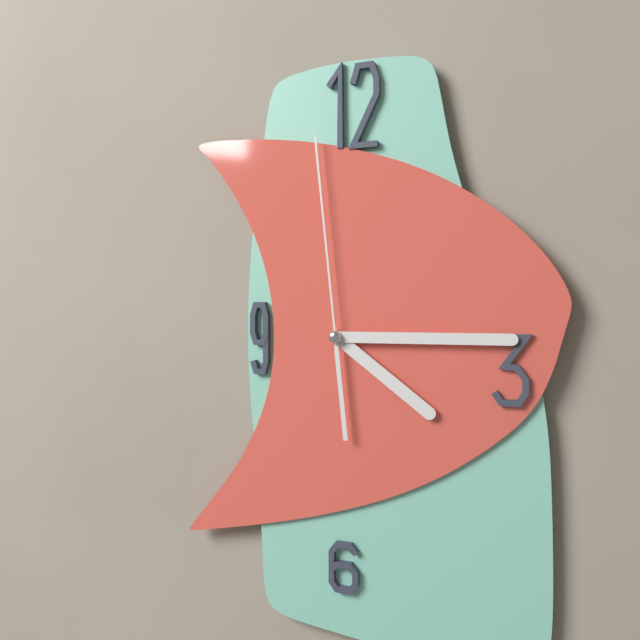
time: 4:15:59
